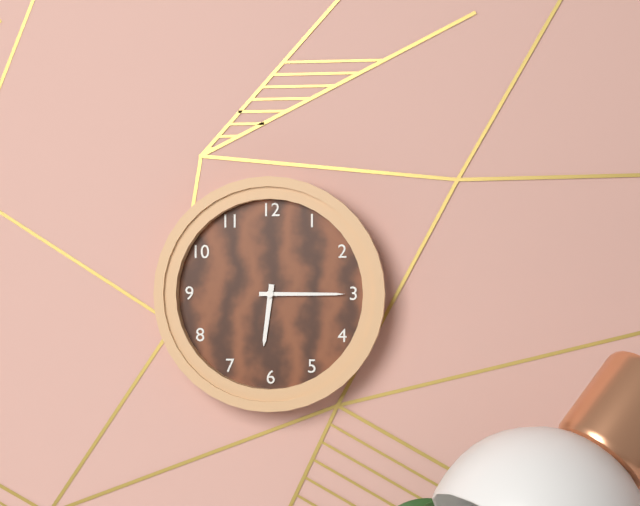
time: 6:15
